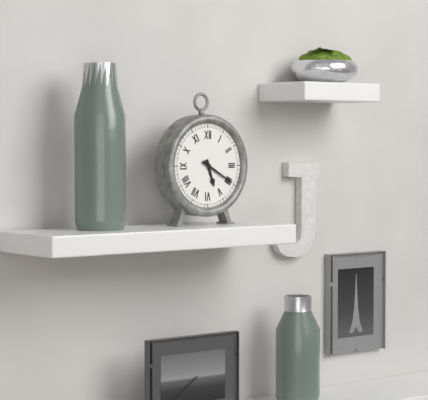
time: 5:20
